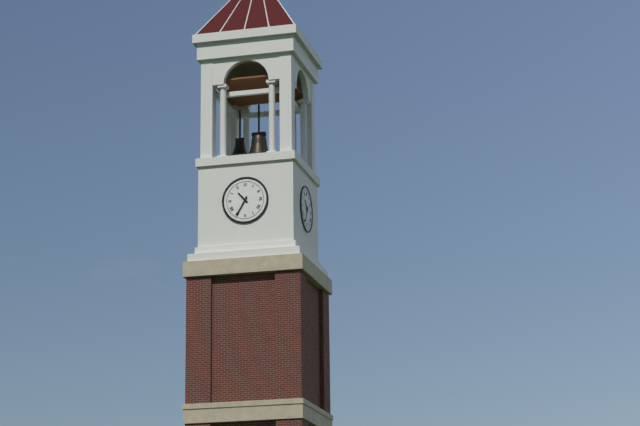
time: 10:35
